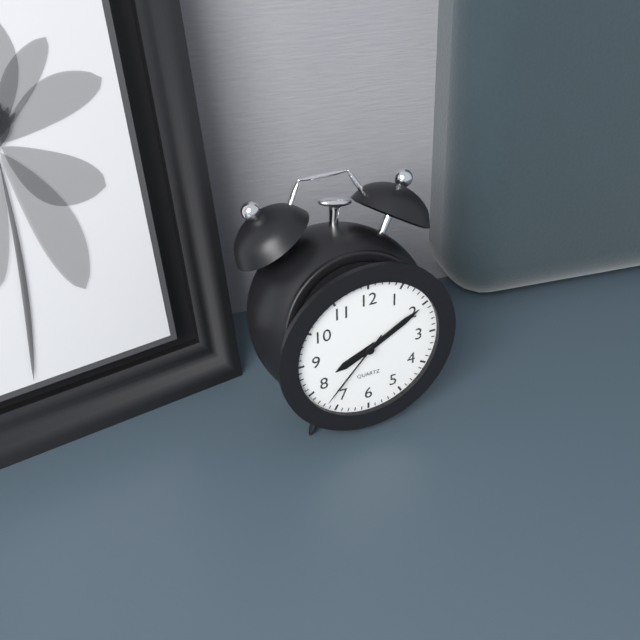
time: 8:10:37
